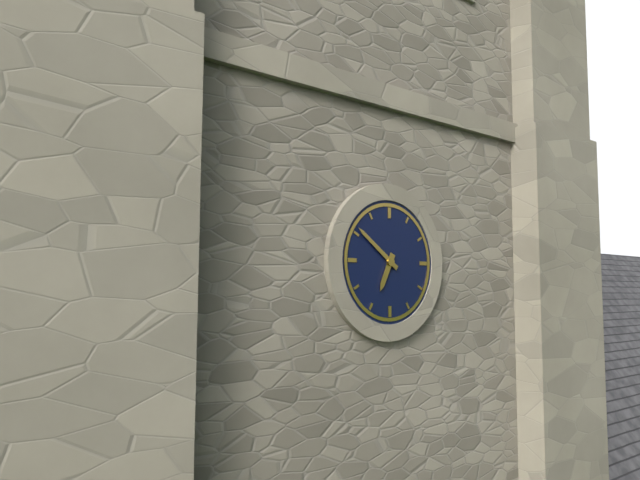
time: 6:51
